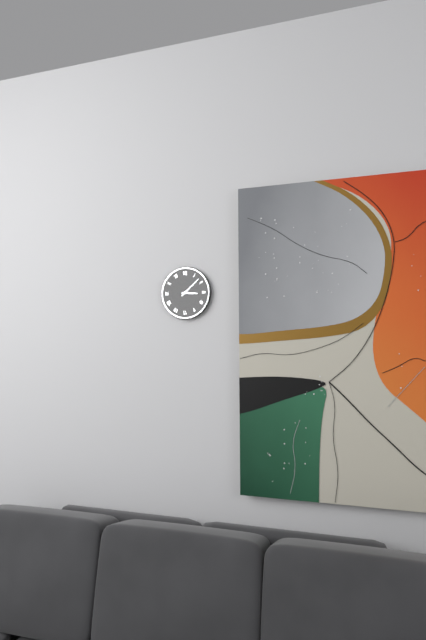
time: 3:08
